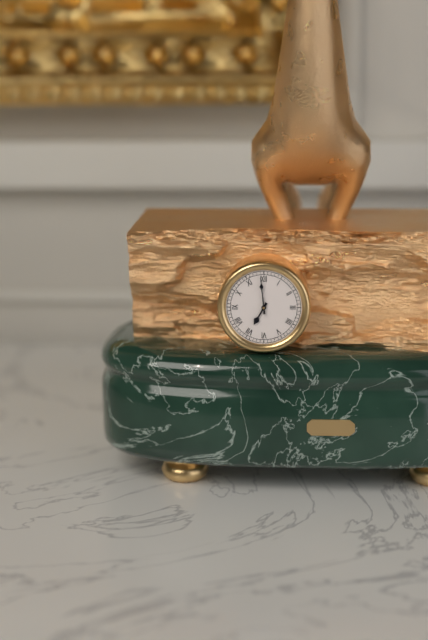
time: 6:59
